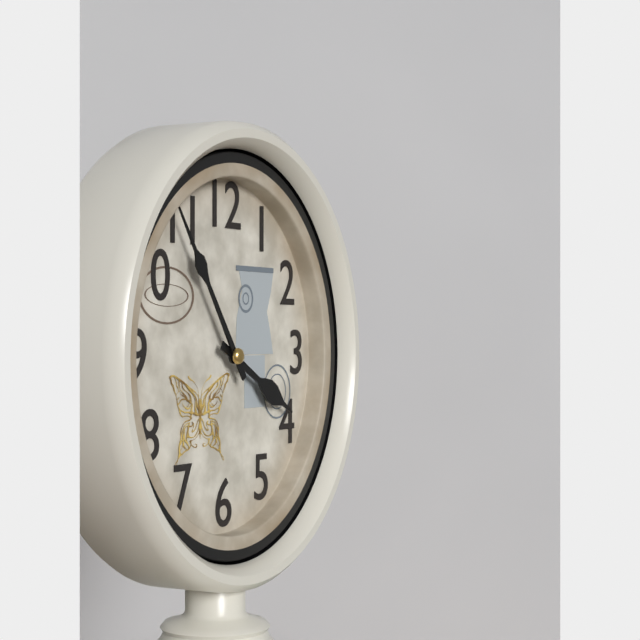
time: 3:54
